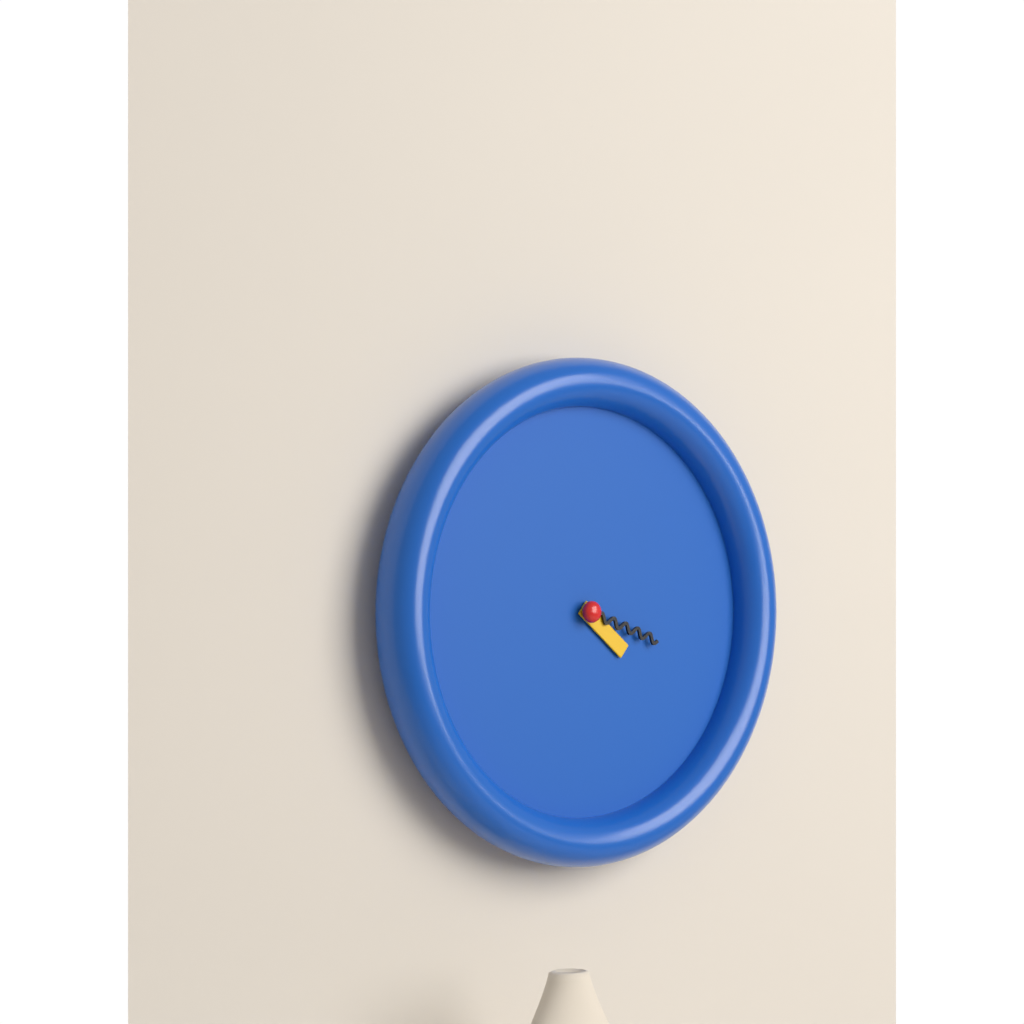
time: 4:18
